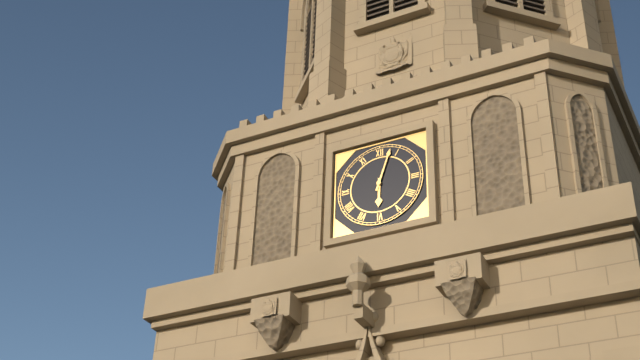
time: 6:03
